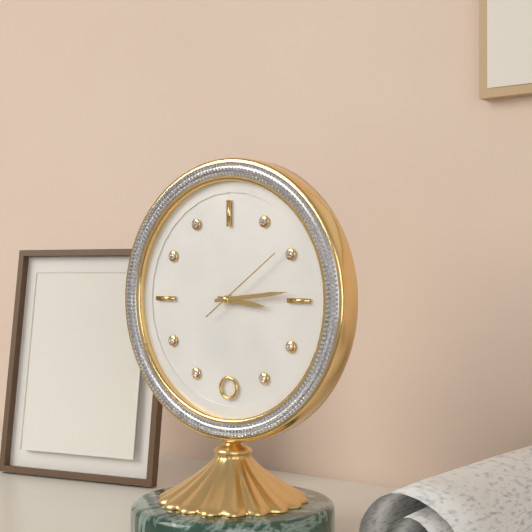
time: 3:14:09
